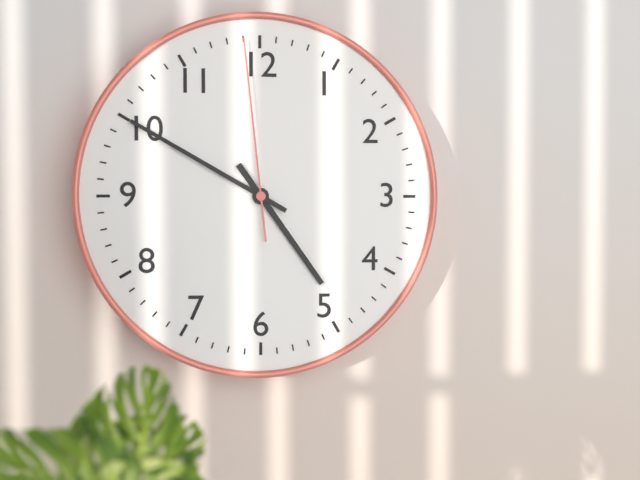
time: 4:50:59
